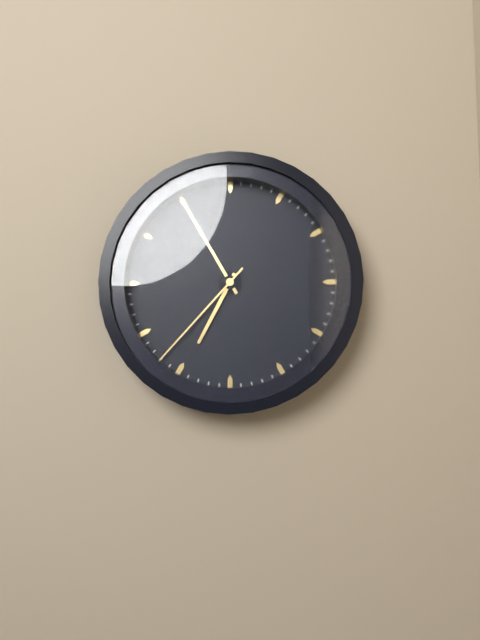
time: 6:55:37
